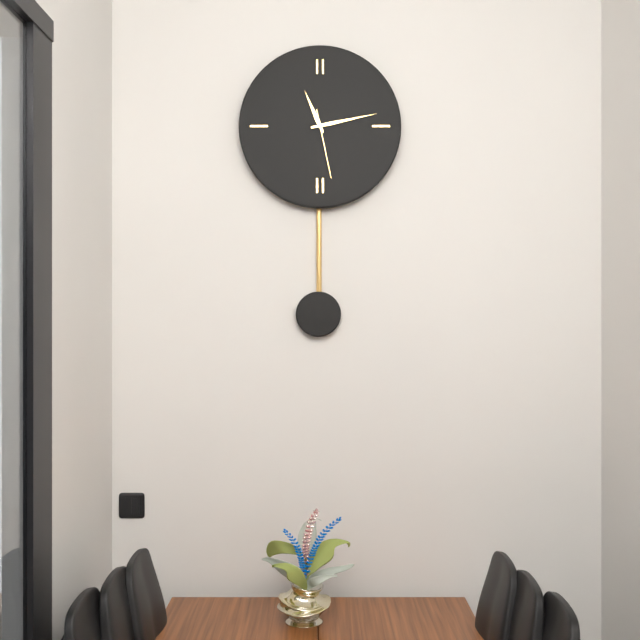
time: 11:13:28
